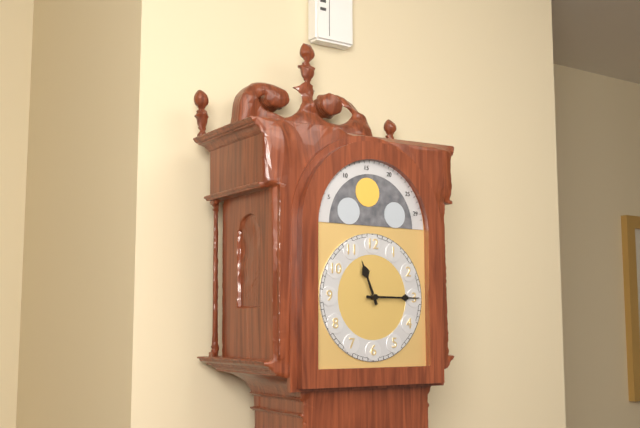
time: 11:15
